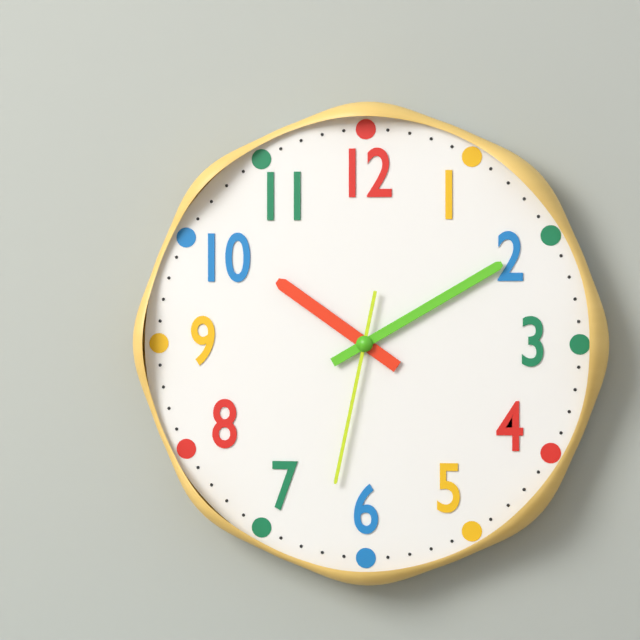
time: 10:10:32
